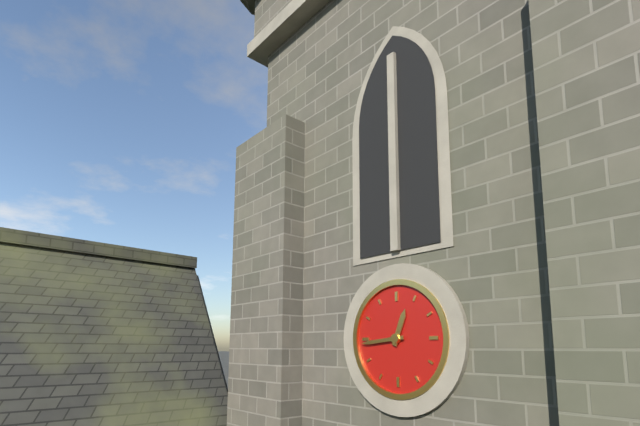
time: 12:44
